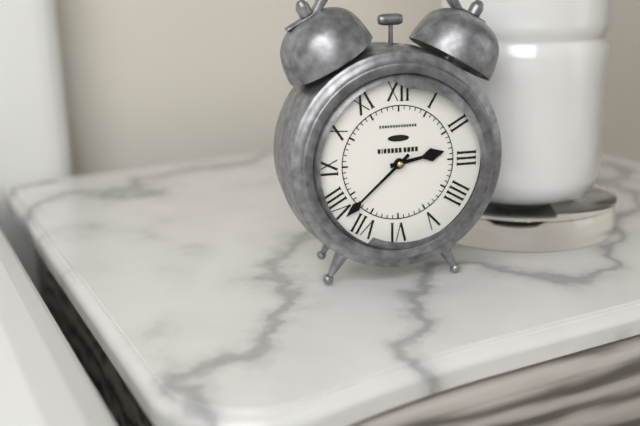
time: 2:38
